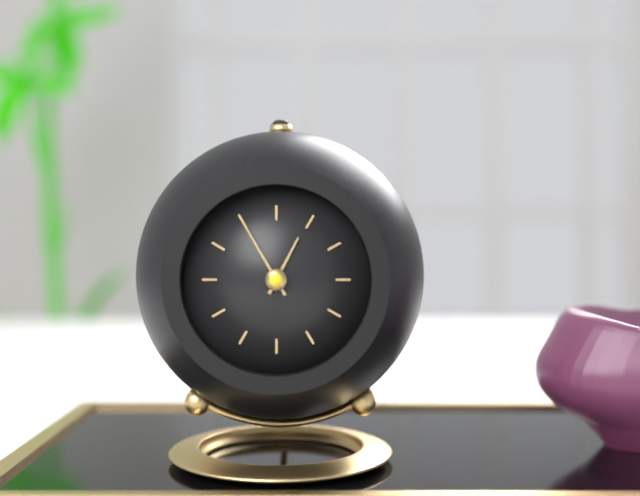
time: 12:55
